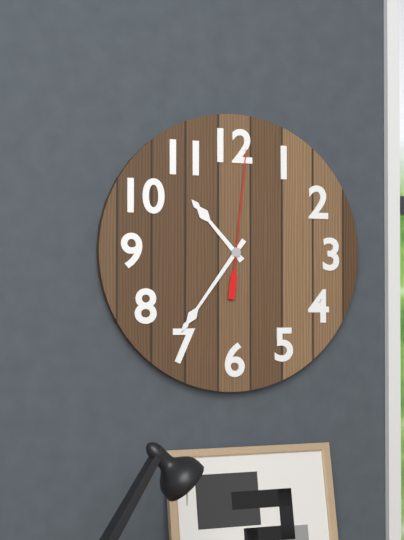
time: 10:36:01
